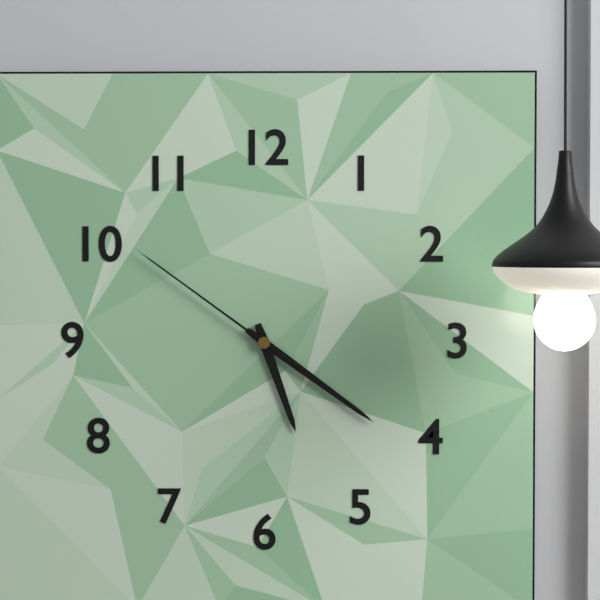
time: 5:21:51
